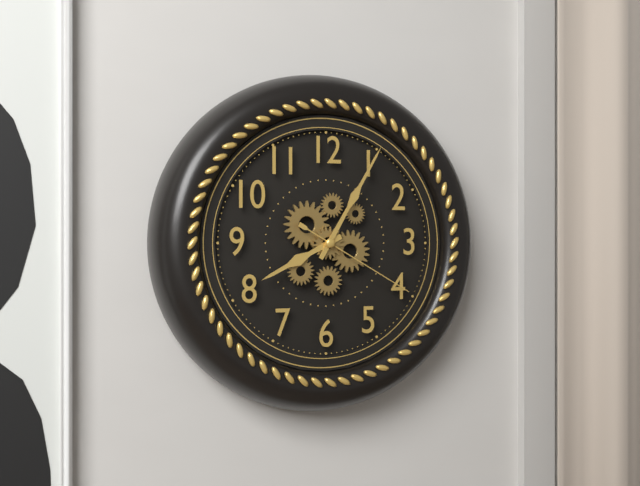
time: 8:05:20
